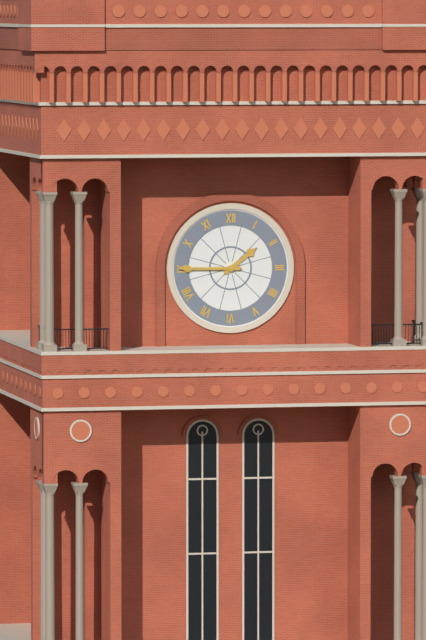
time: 1:45
